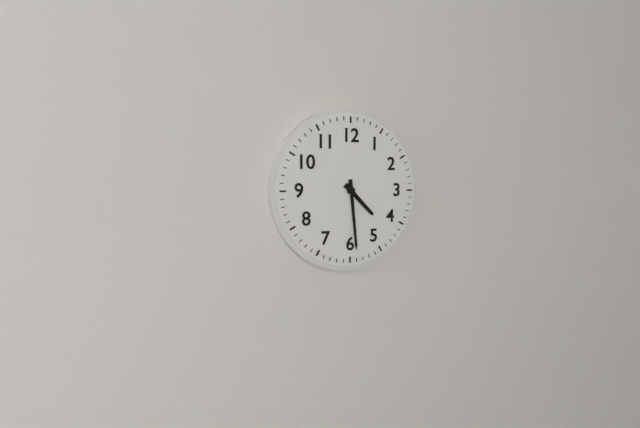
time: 4:29
